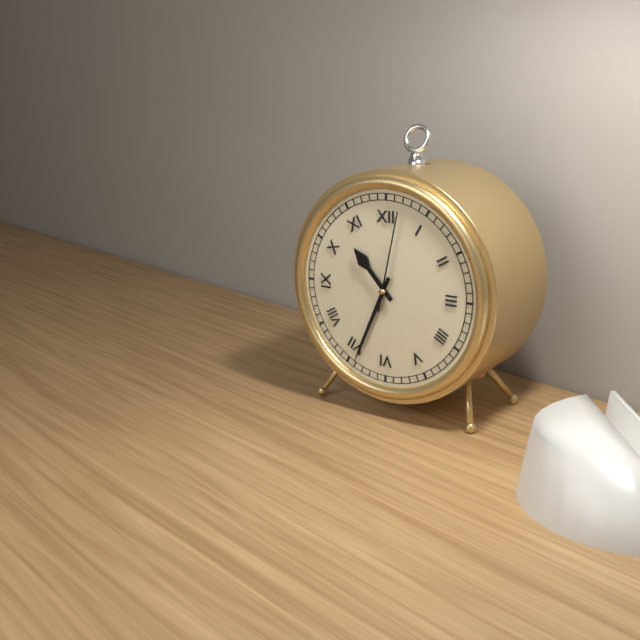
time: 10:34:02
